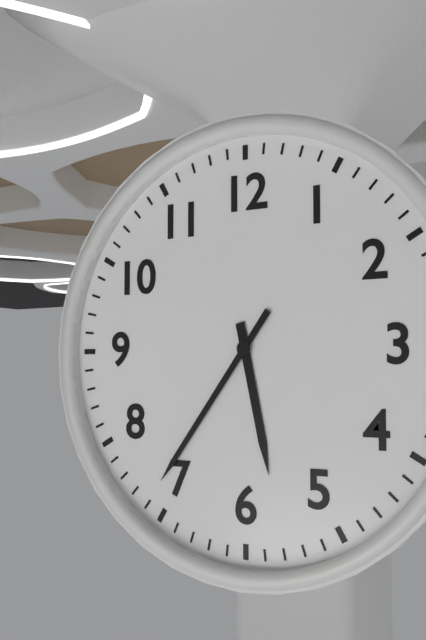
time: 5:36
